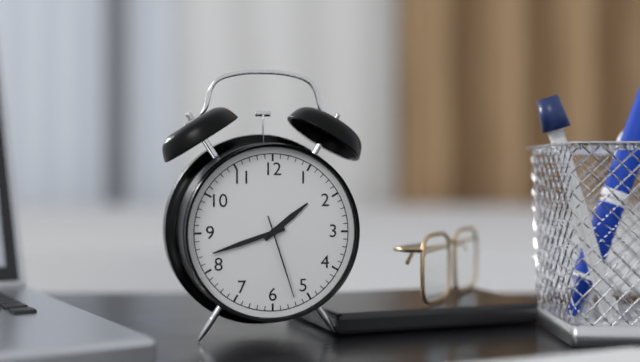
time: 1:42:27
